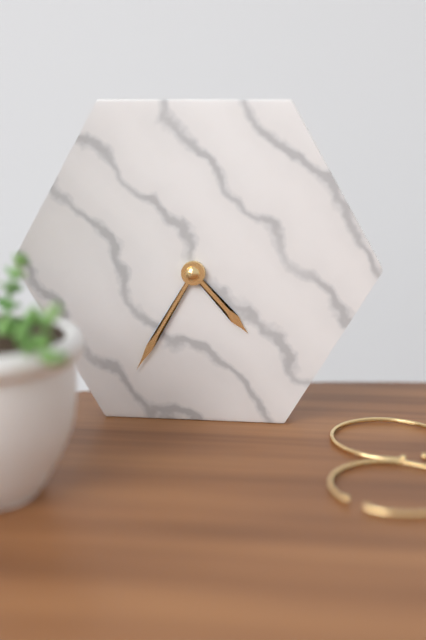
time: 4:35
